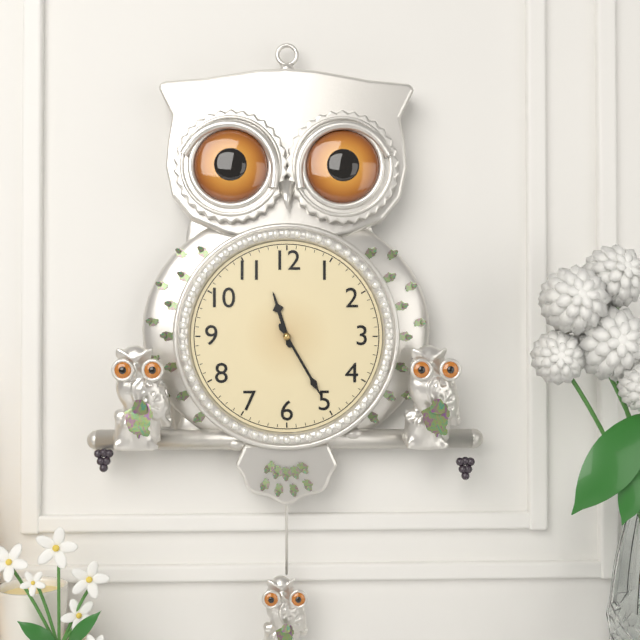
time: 11:25
